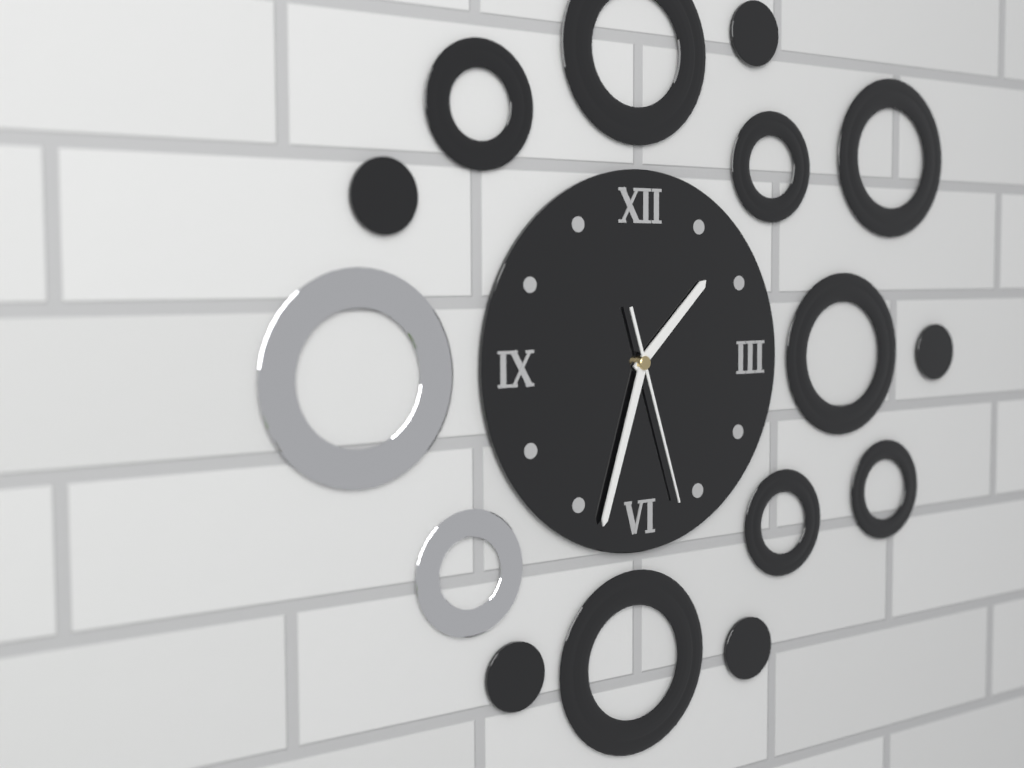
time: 1:33:27
